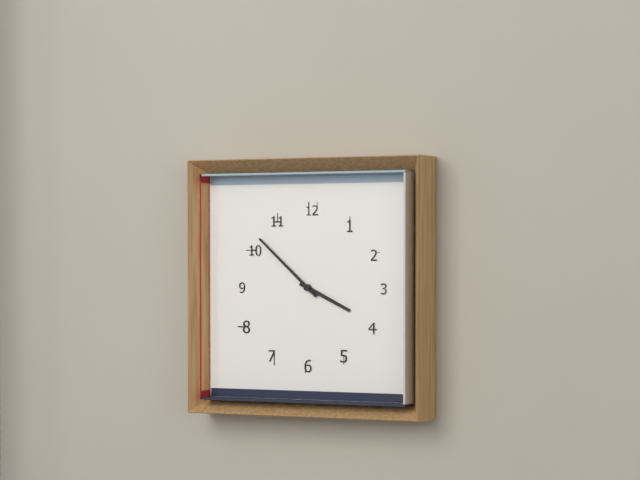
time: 3:52
